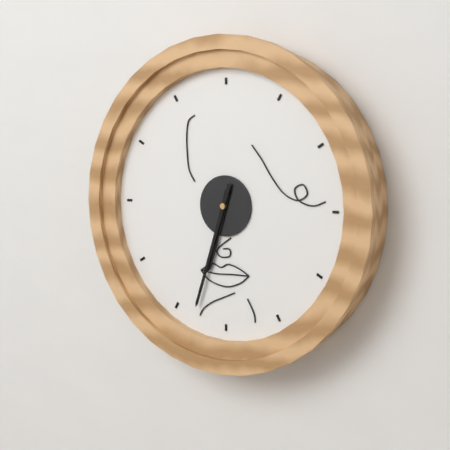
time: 6:33
